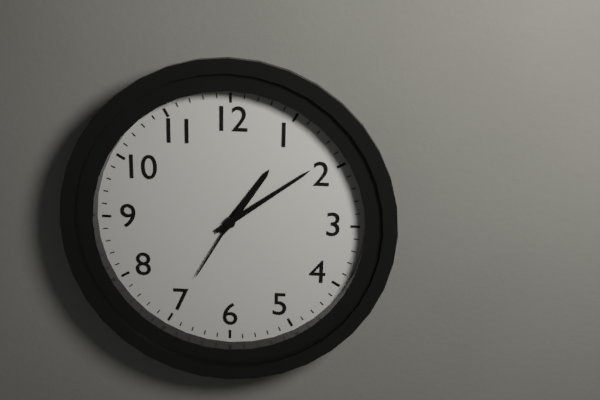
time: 1:09:35
